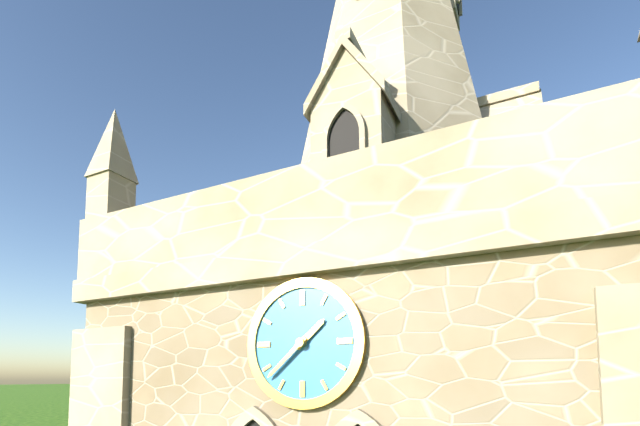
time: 1:38
